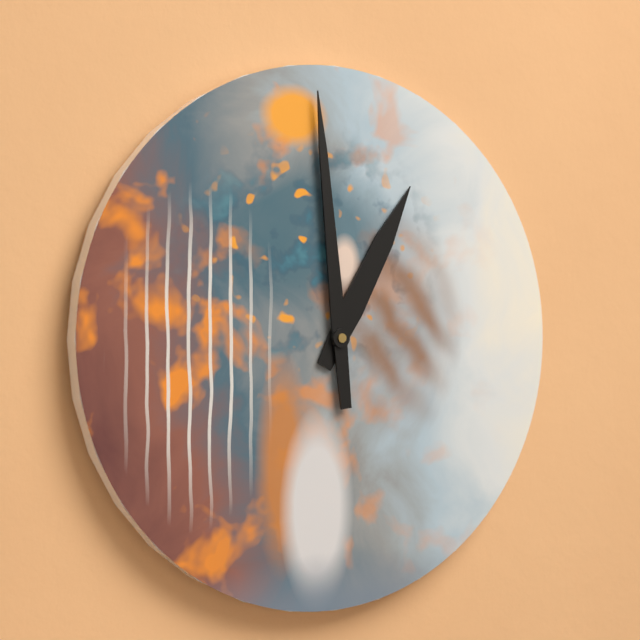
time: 12:59
